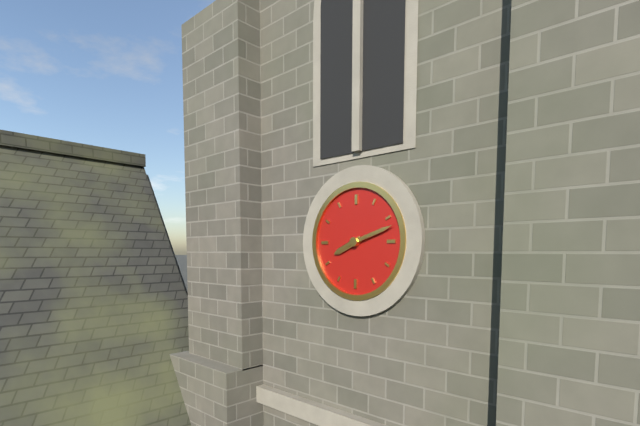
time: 8:12
